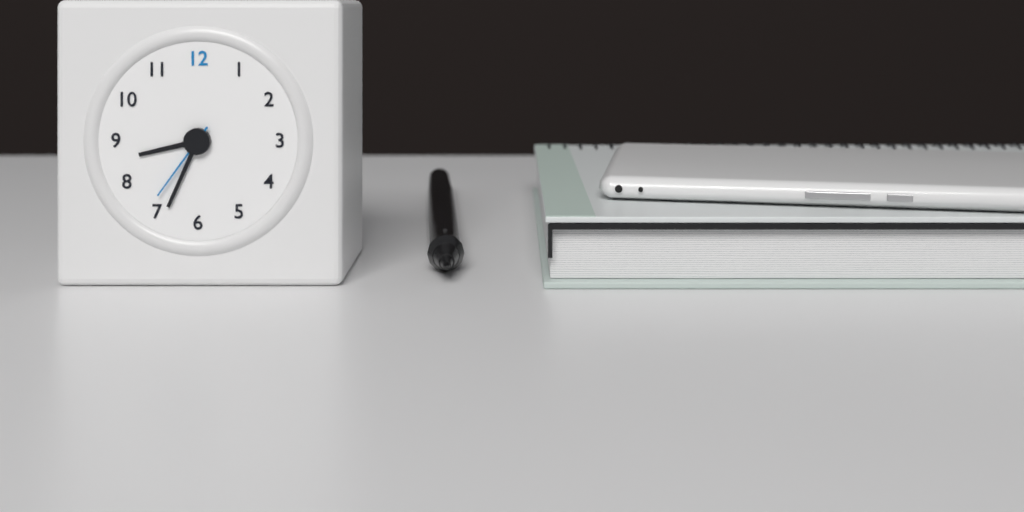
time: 8:34:36
